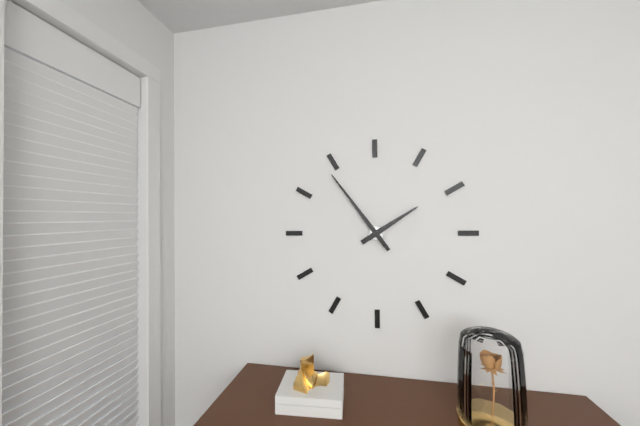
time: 1:54
